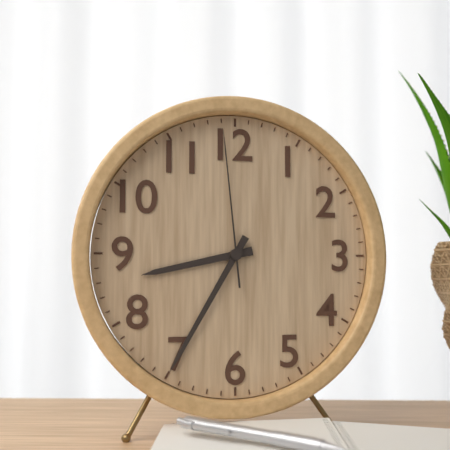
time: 8:35:59
